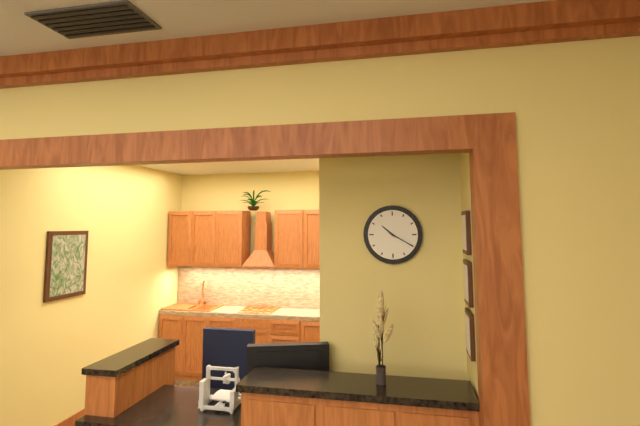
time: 10:20
